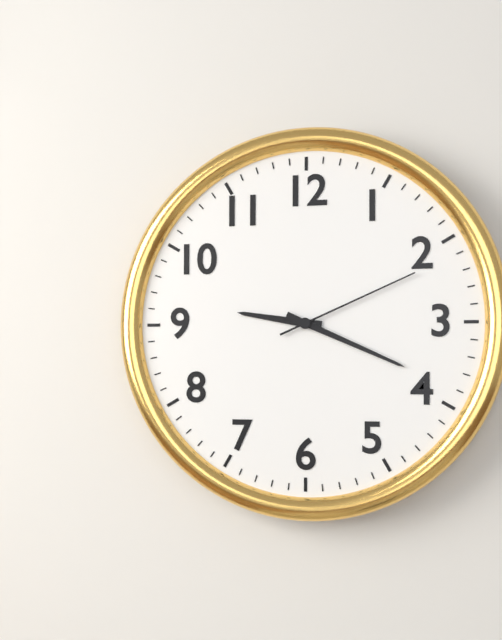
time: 9:19:11
